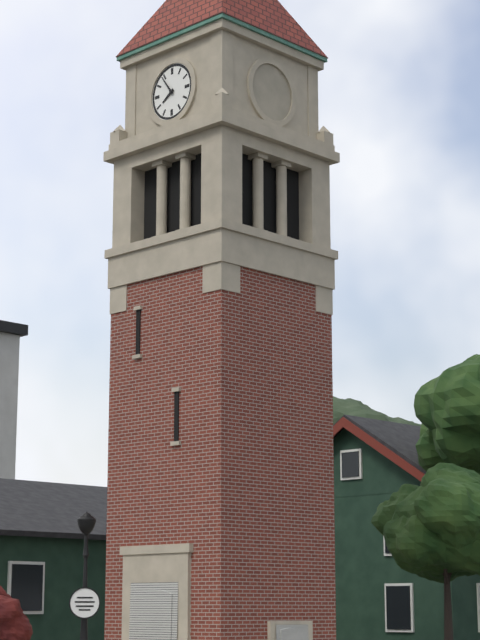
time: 7:54
